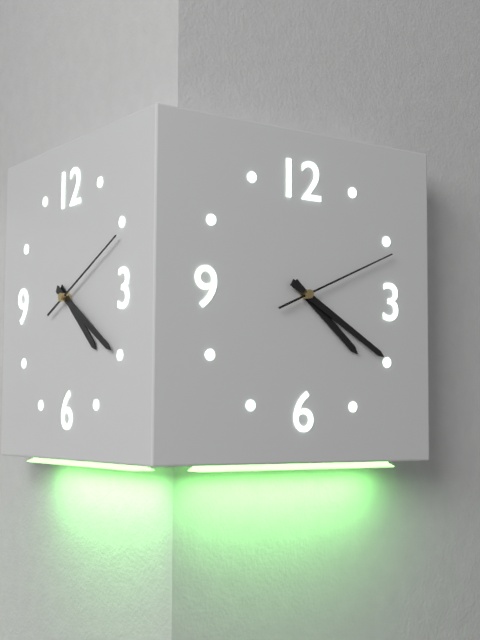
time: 4:20:11
